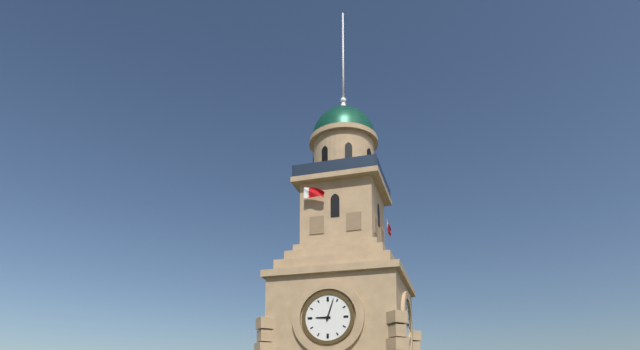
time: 9:03
